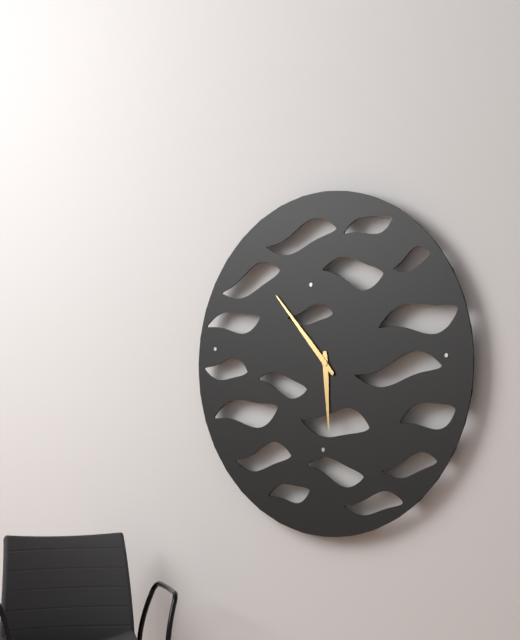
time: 5:53
